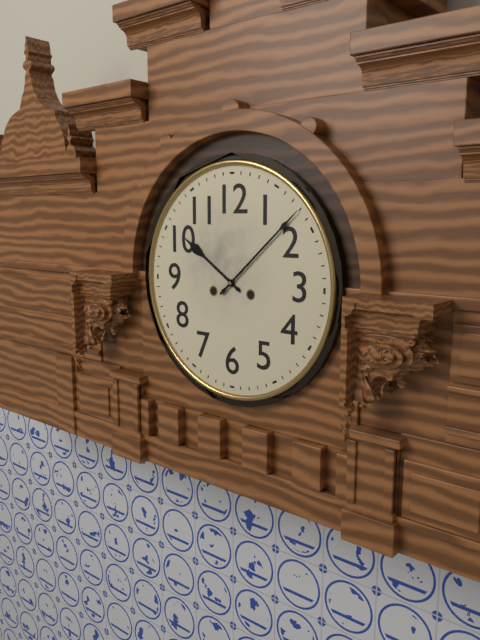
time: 10:08
